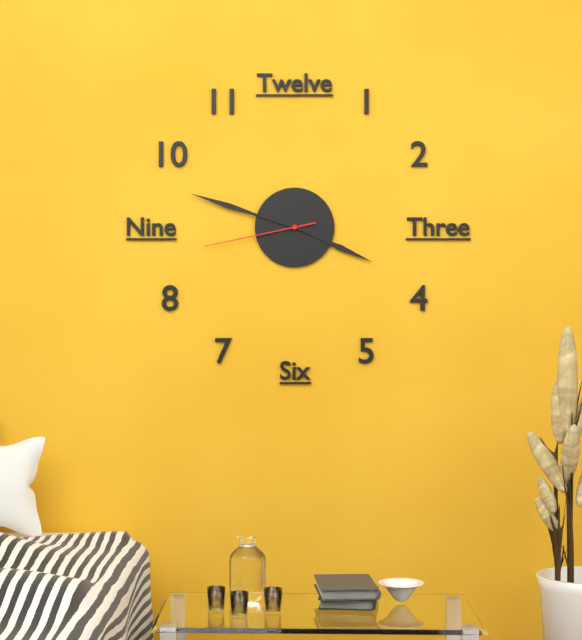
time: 3:48:43
